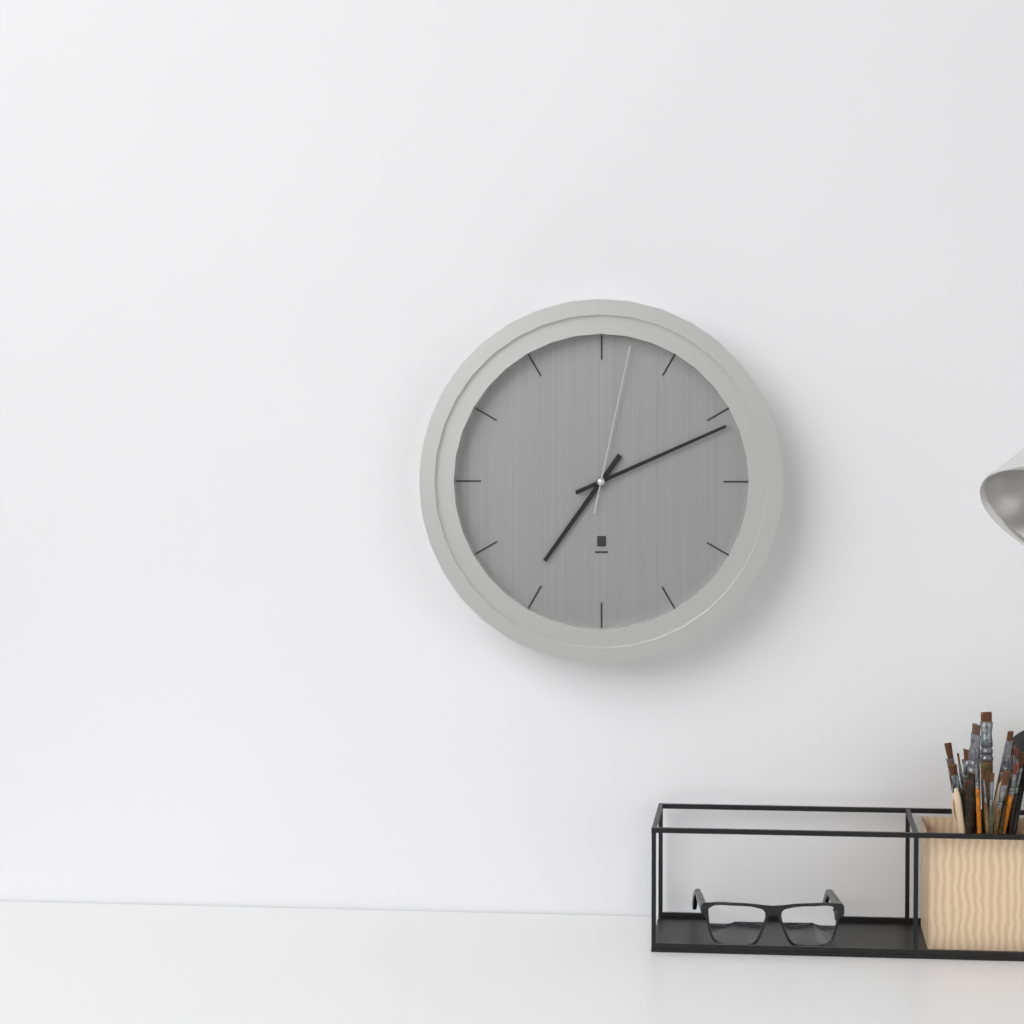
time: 7:11:02
